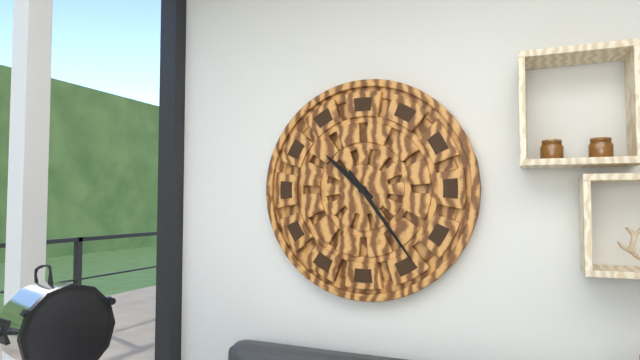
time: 10:24
